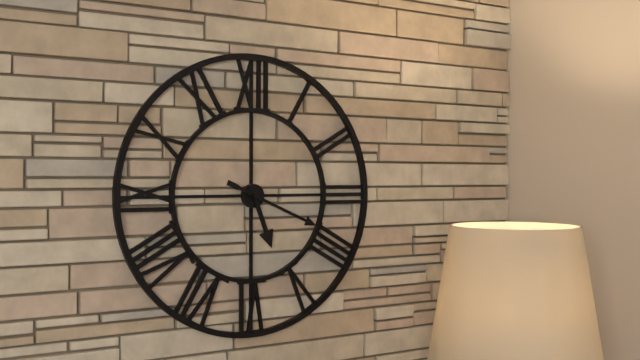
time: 5:19
